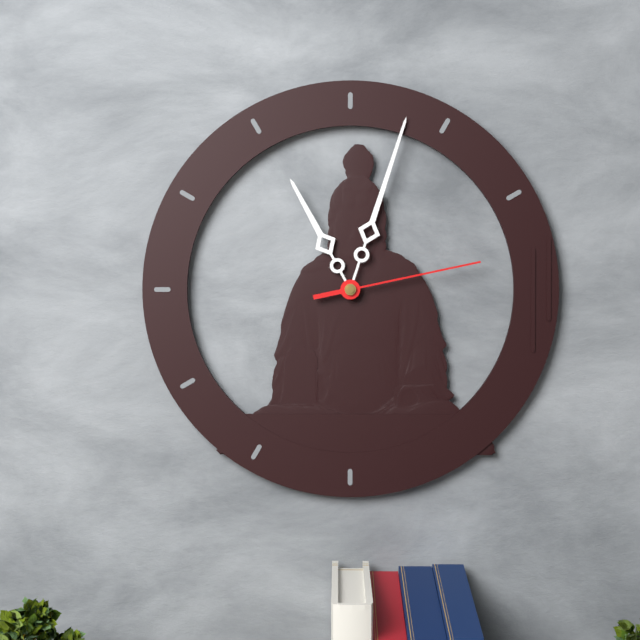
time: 11:03:13
